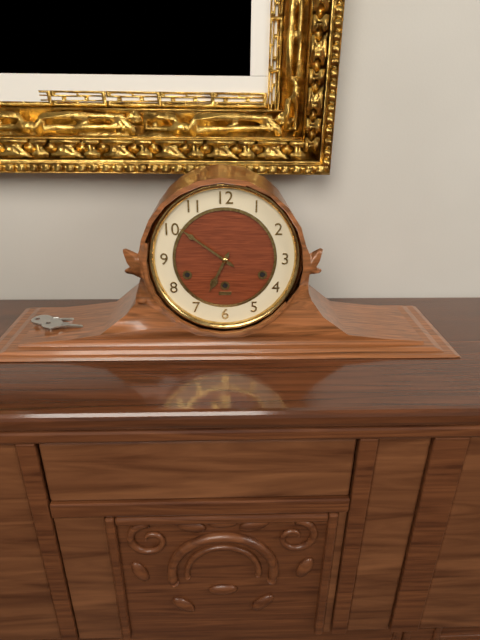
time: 6:51
